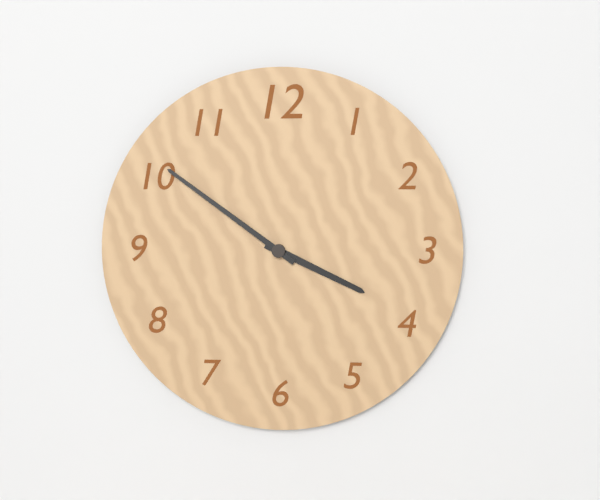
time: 3:51
